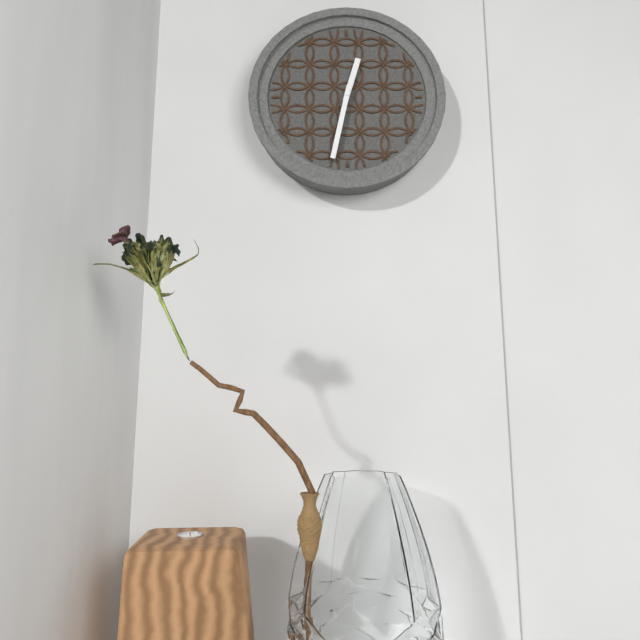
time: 12:32
